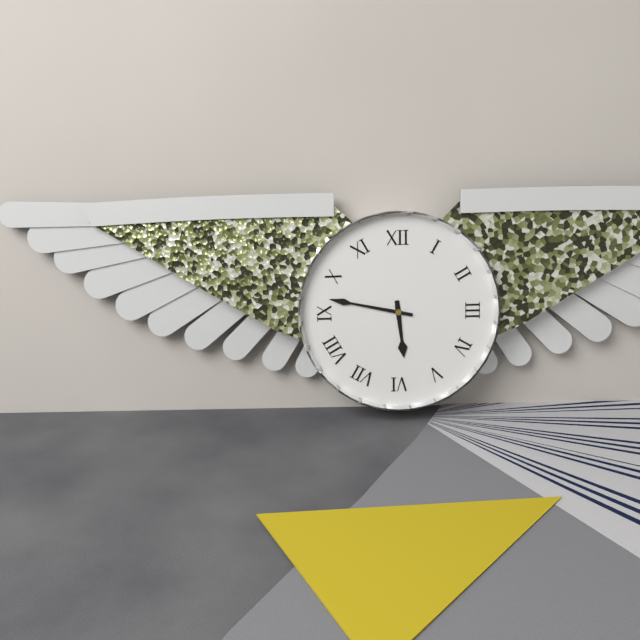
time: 5:47
